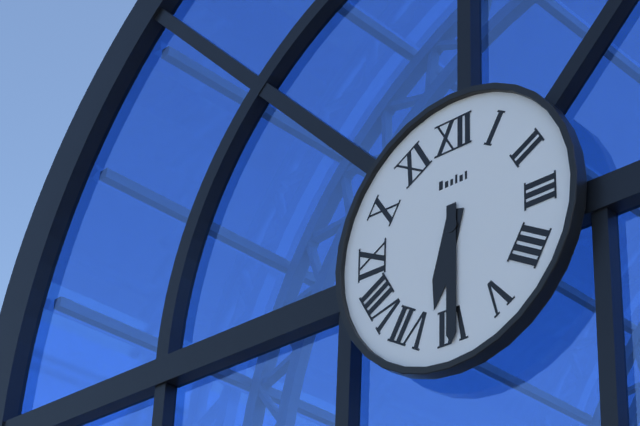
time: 6:30
